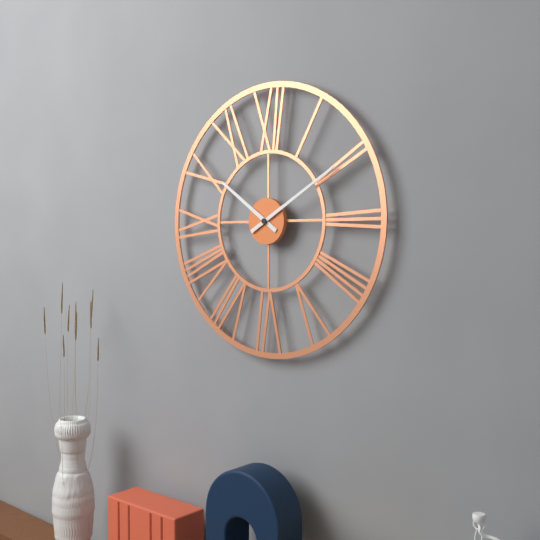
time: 10:10
